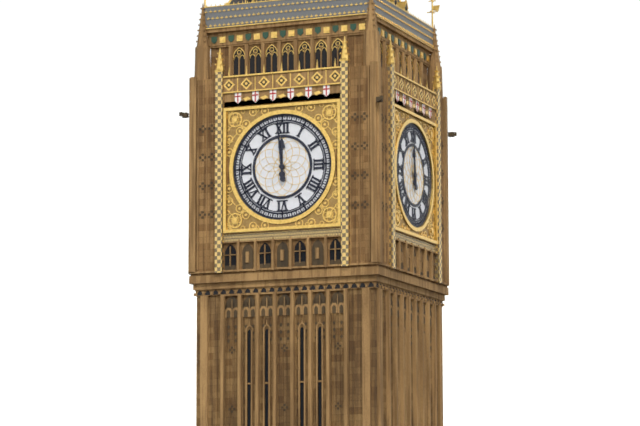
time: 11:59
